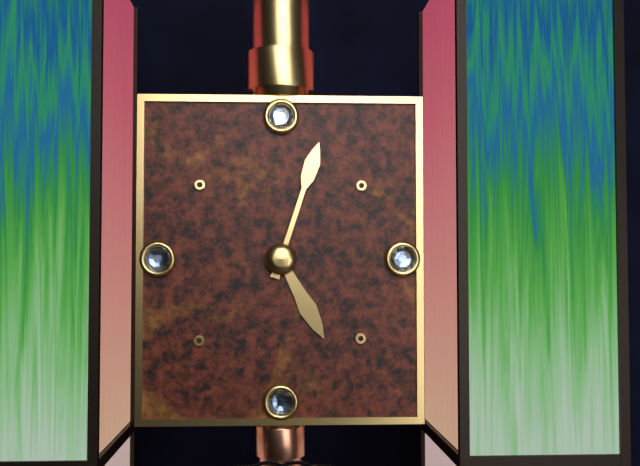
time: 5:03
